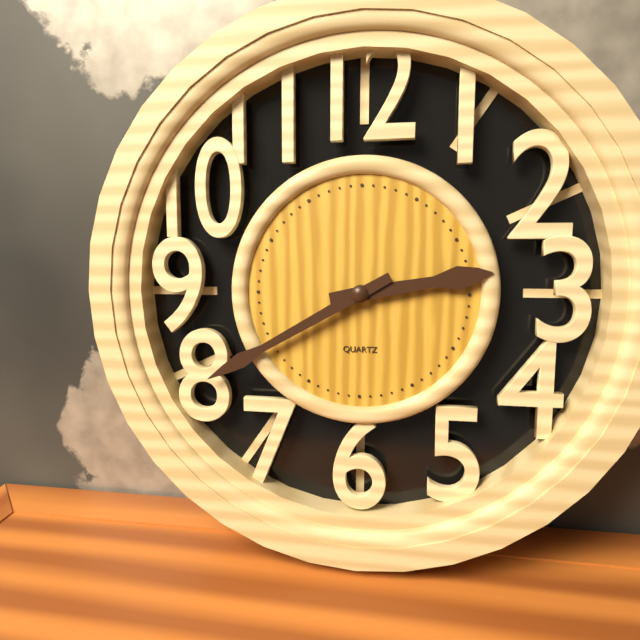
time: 2:40
